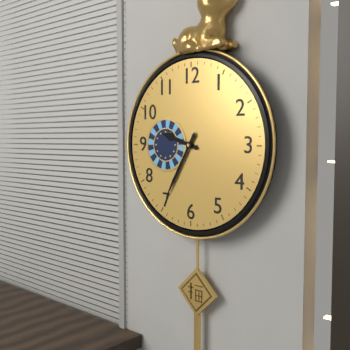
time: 9:35
